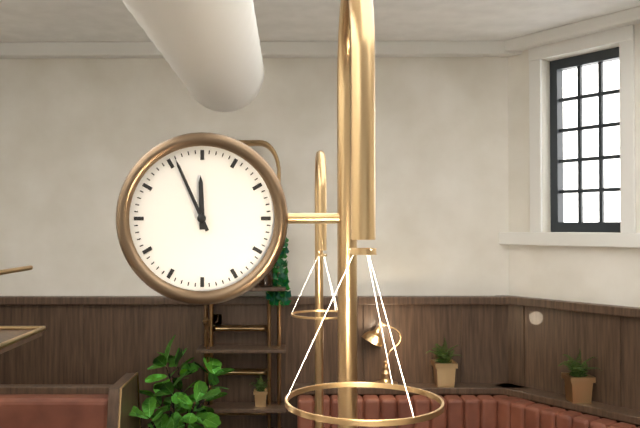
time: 11:56
